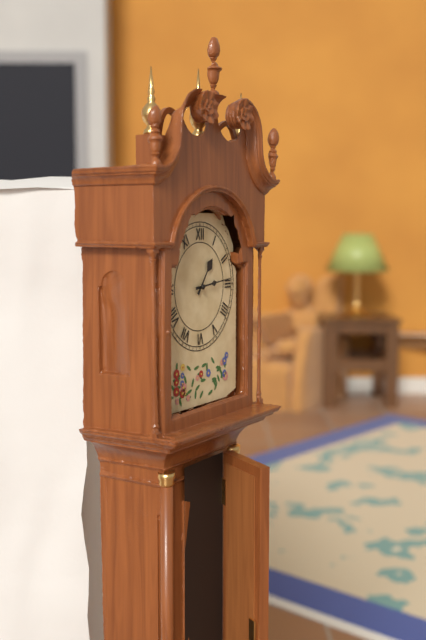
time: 1:14
